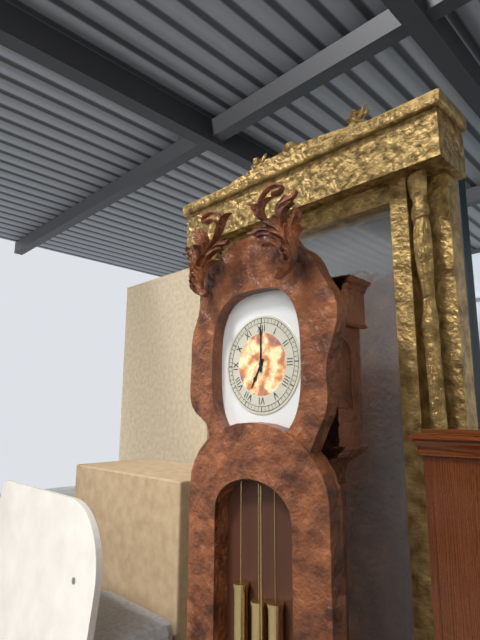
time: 7:00
